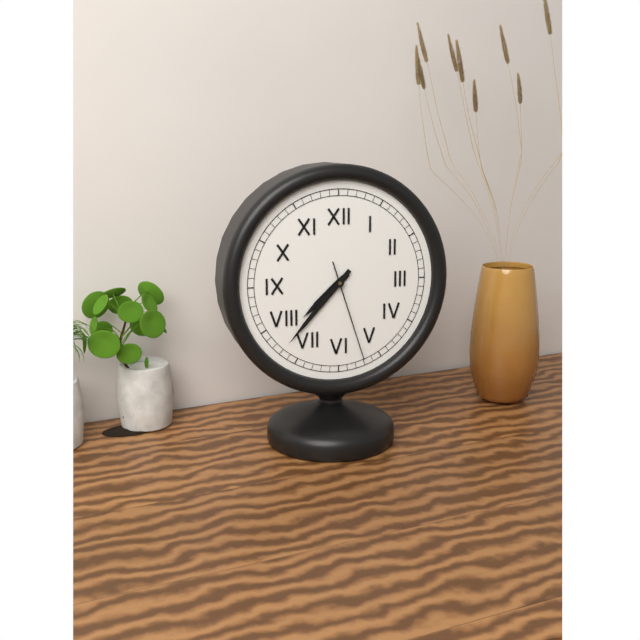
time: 7:37:27
